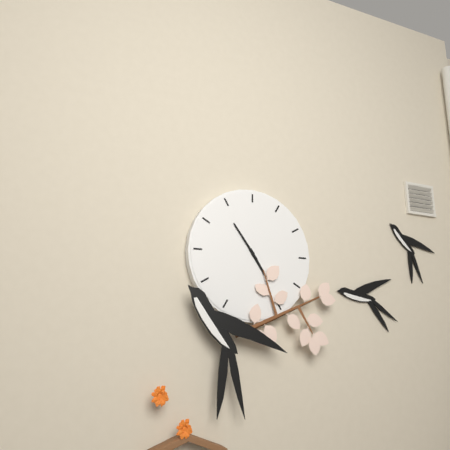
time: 4:54
